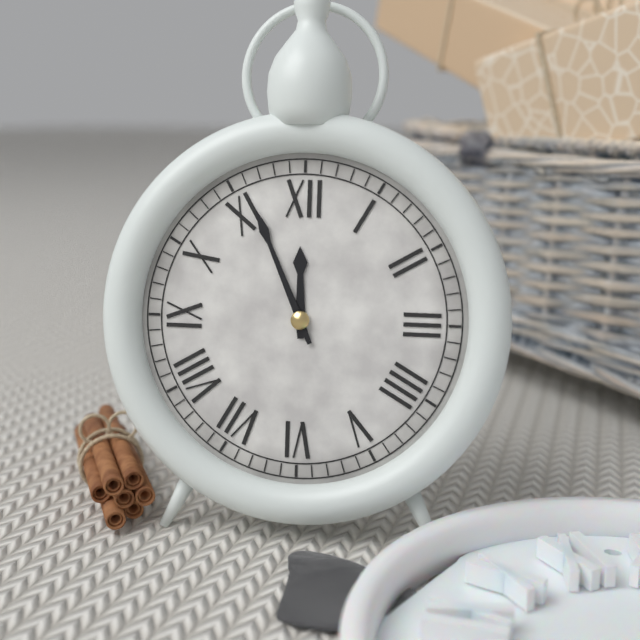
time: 11:56
